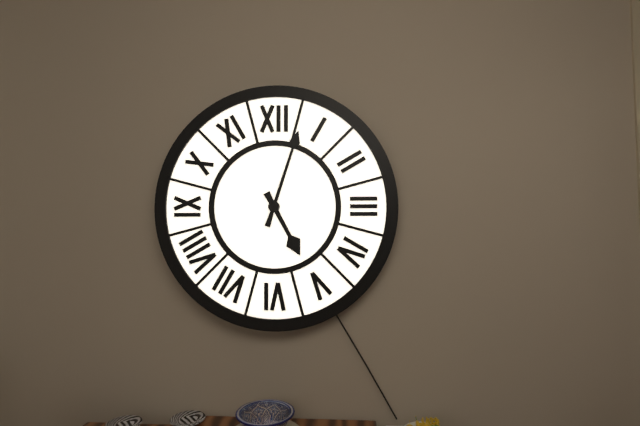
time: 5:03
